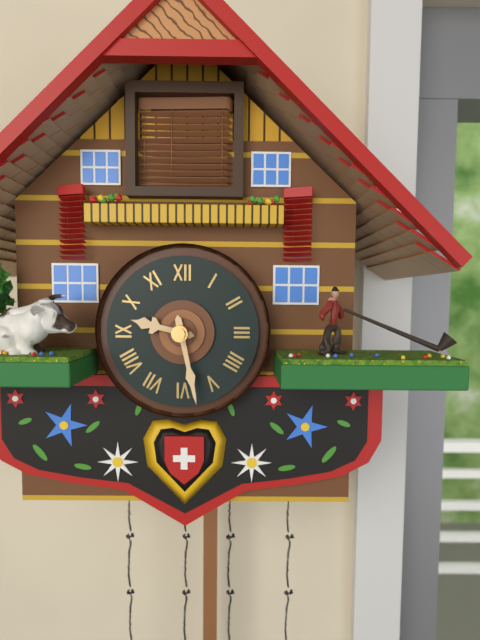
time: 9:28
